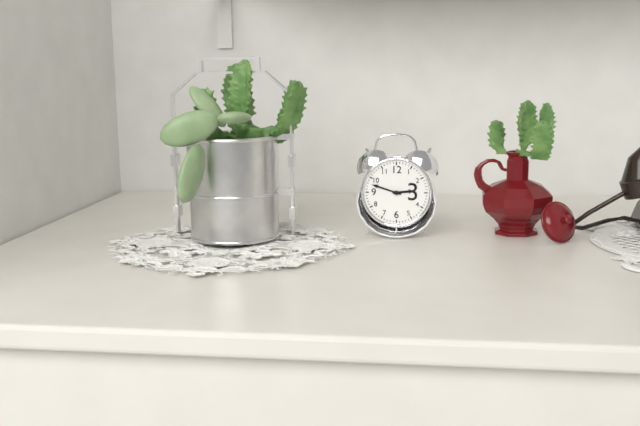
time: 2:48
